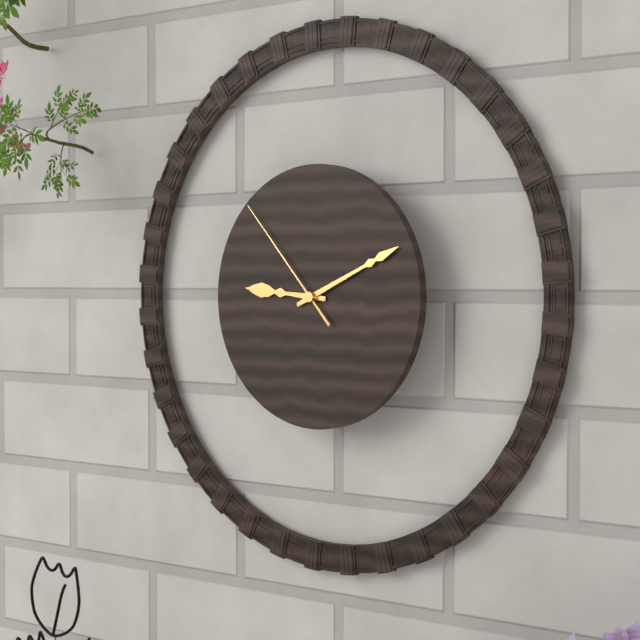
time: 9:11:53
